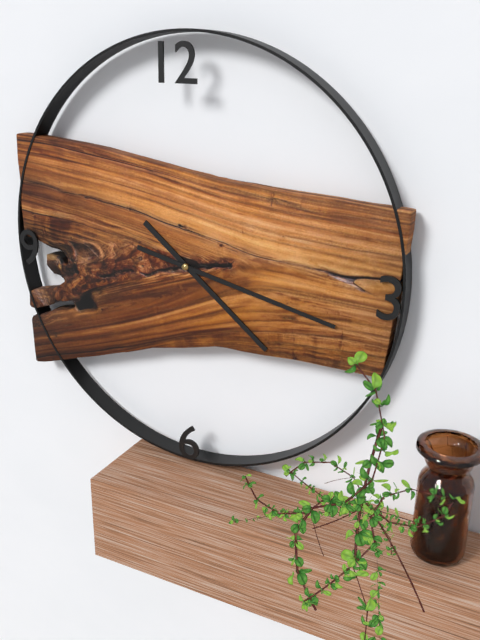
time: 4:17
